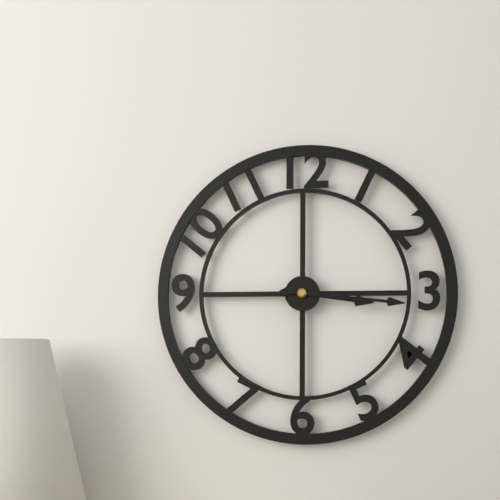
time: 3:16
